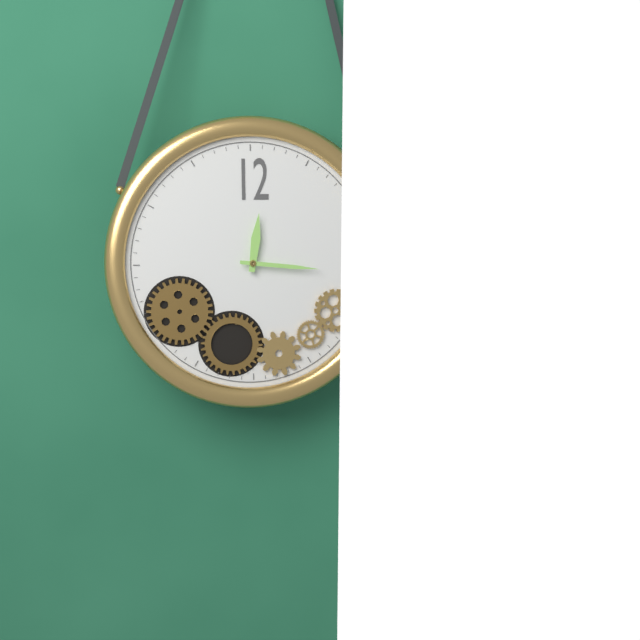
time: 12:16
